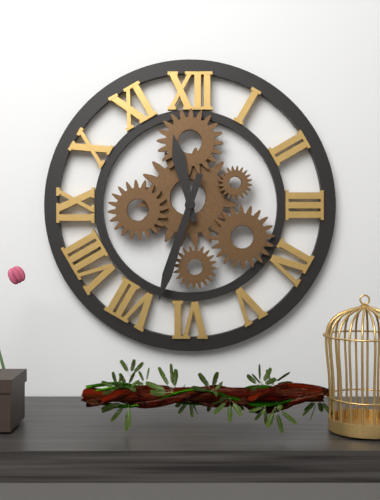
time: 11:33
